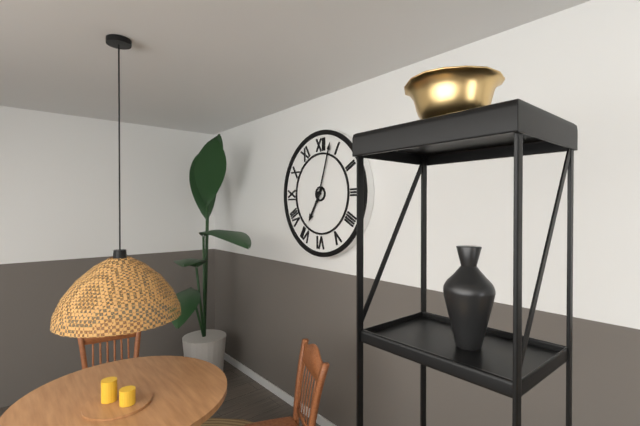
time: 7:03
